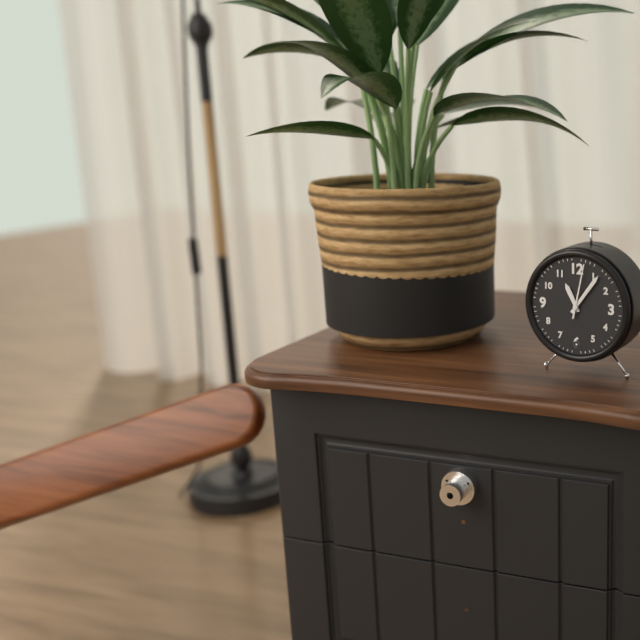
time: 11:06:02
